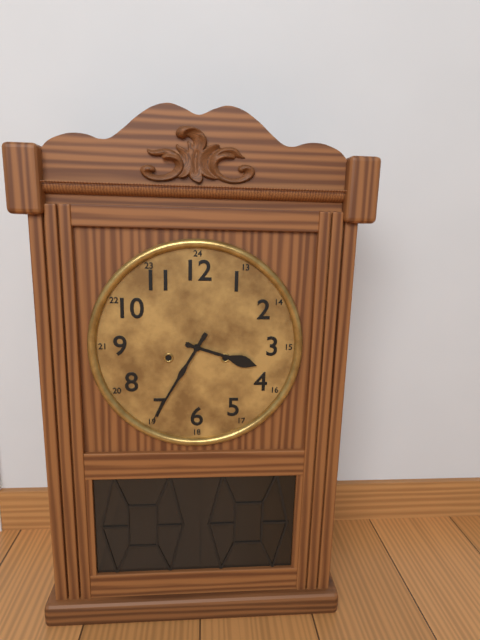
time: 3:35
